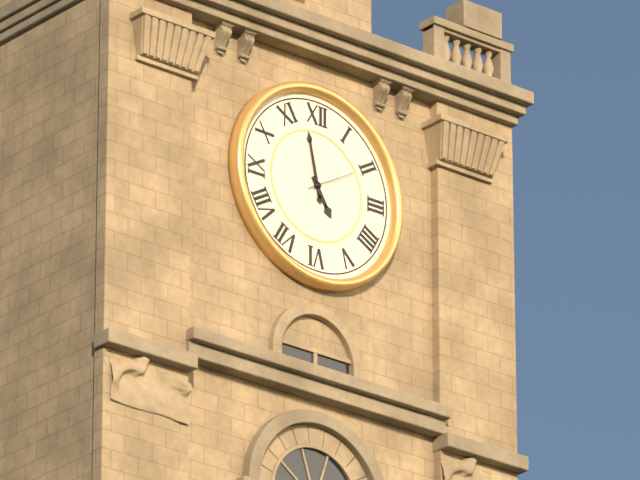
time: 4:58:10
